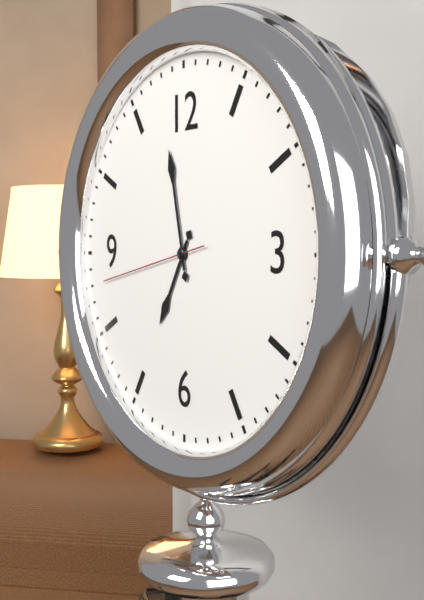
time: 6:58:43
